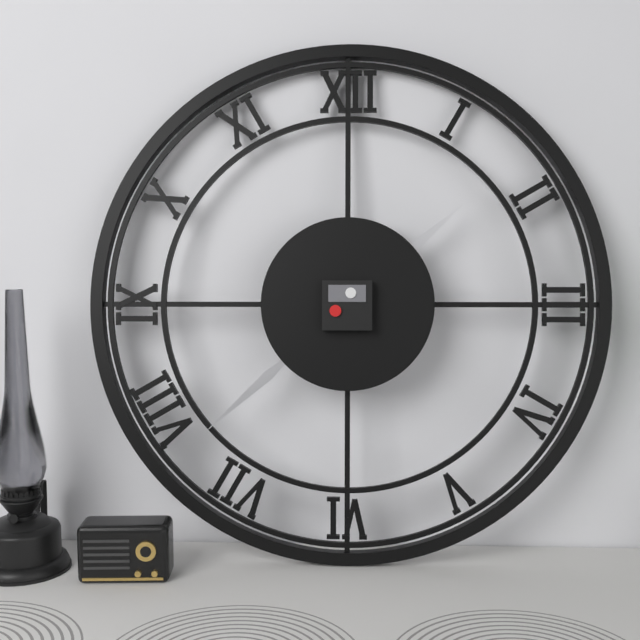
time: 1:38
